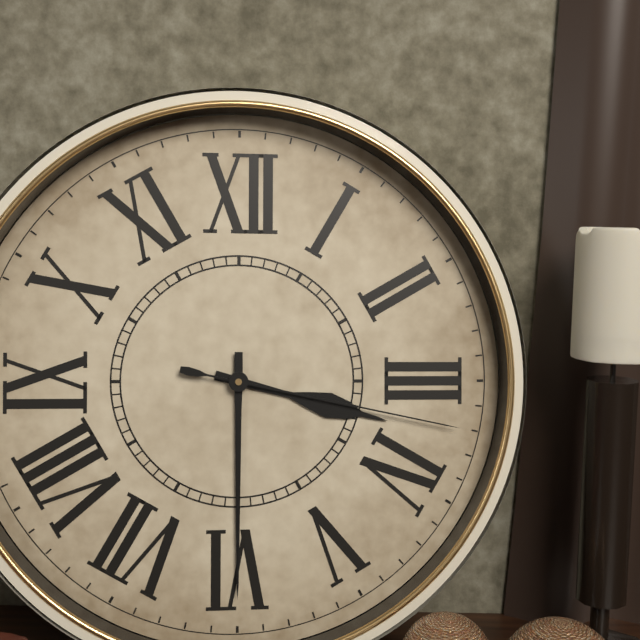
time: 3:30:17
